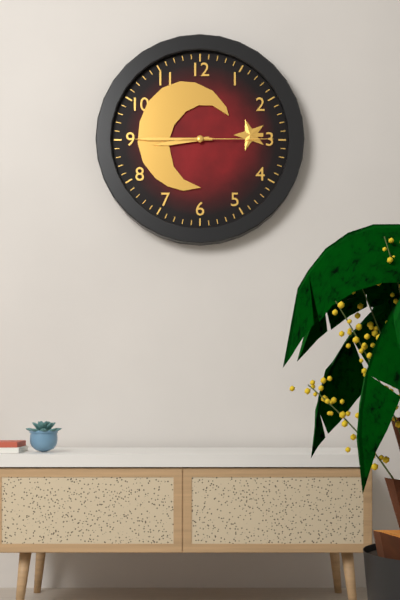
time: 8:45:15
